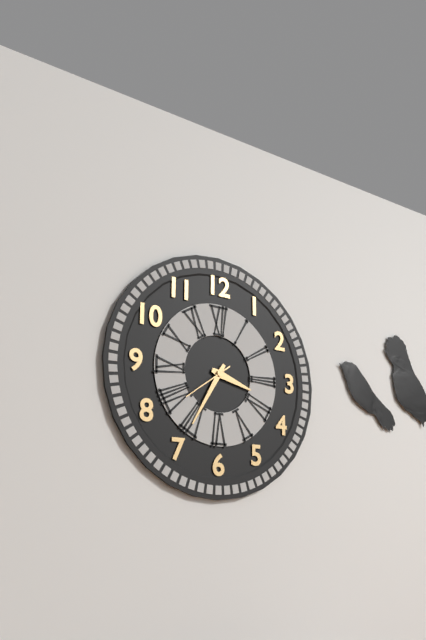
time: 3:35
